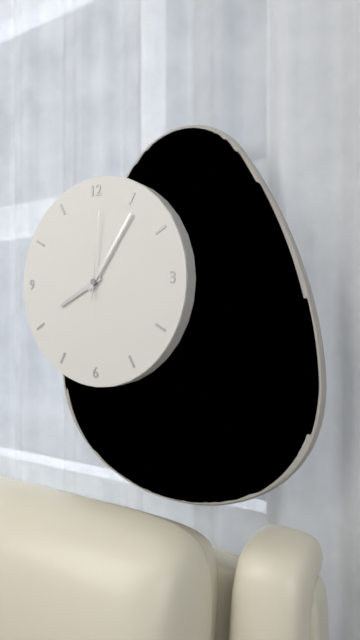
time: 8:06:01
